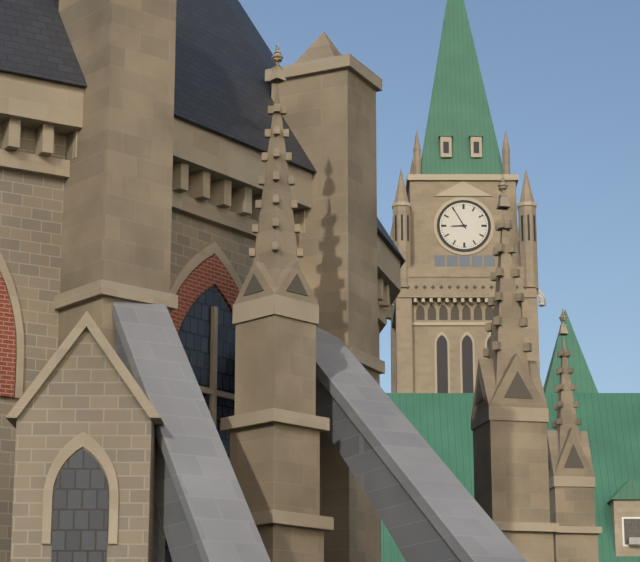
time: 8:55
